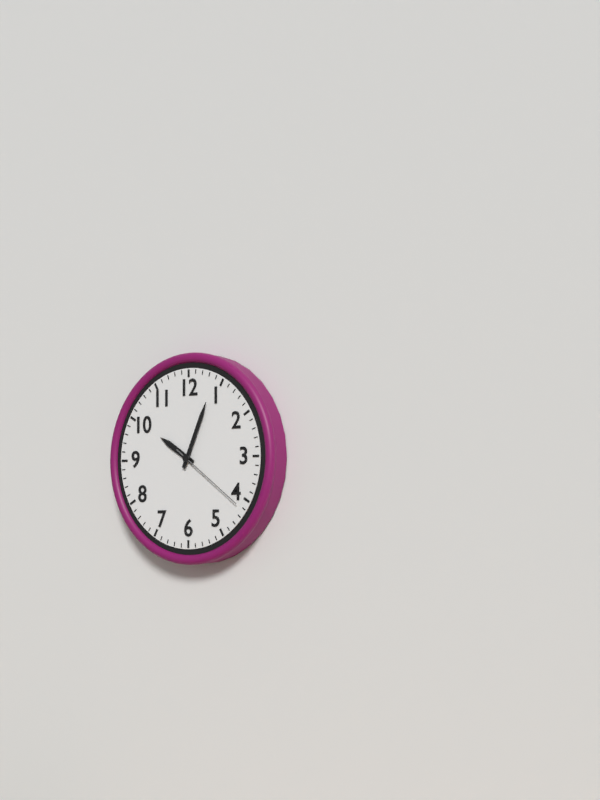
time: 10:04:21
